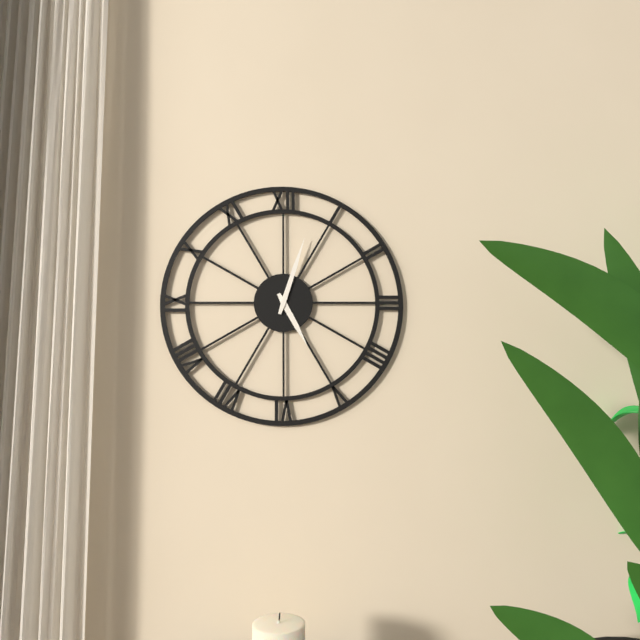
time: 5:03
